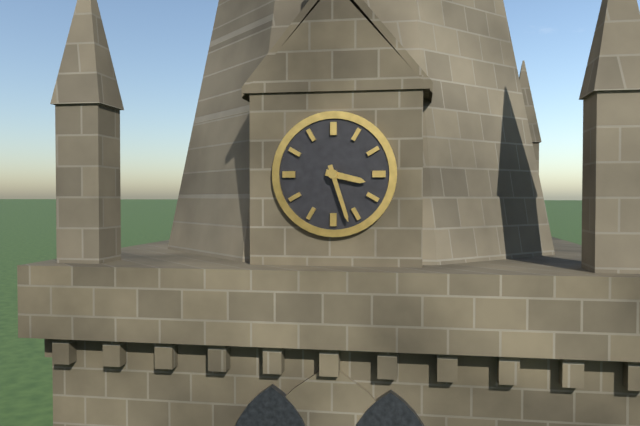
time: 3:27
